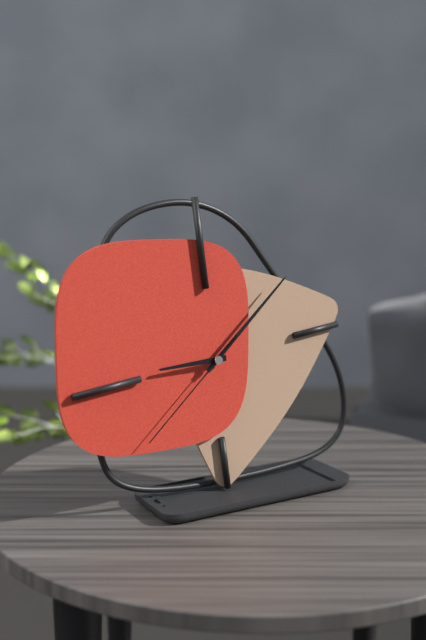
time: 9:09:39
